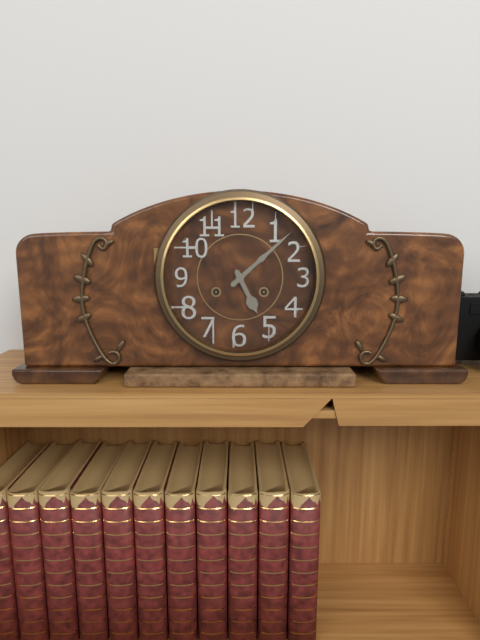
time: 5:08
